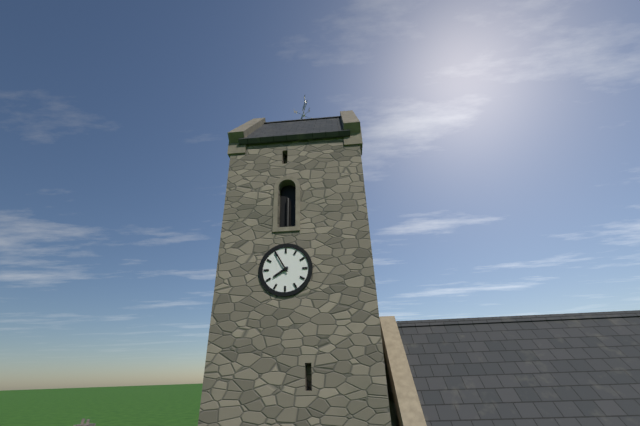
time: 7:55
